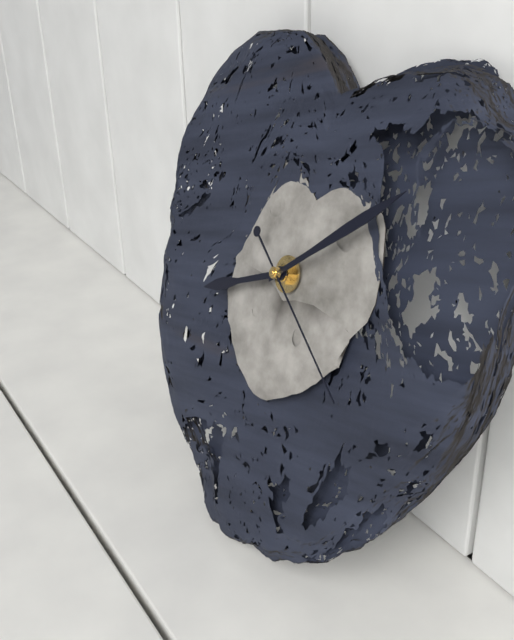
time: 8:08:20
